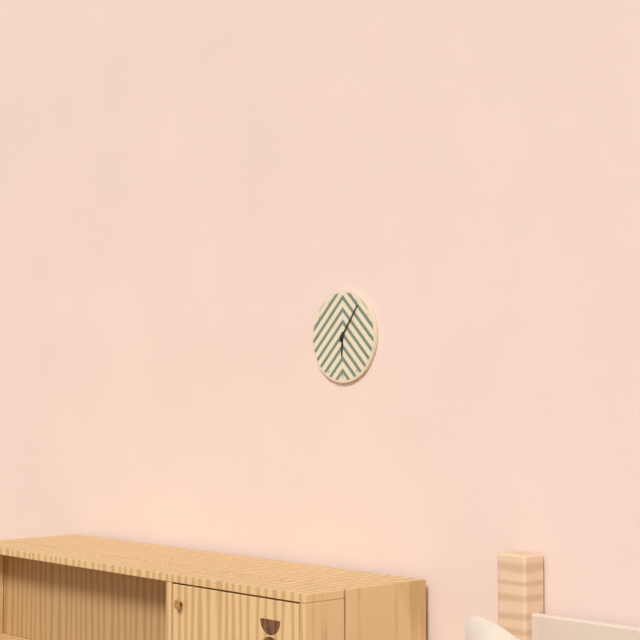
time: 6:06
